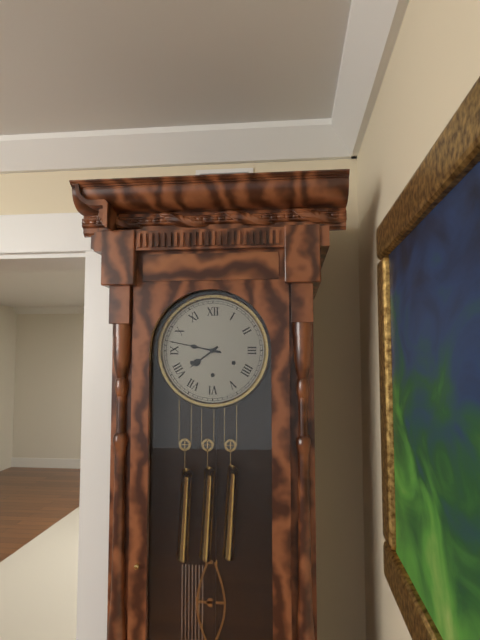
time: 7:47
